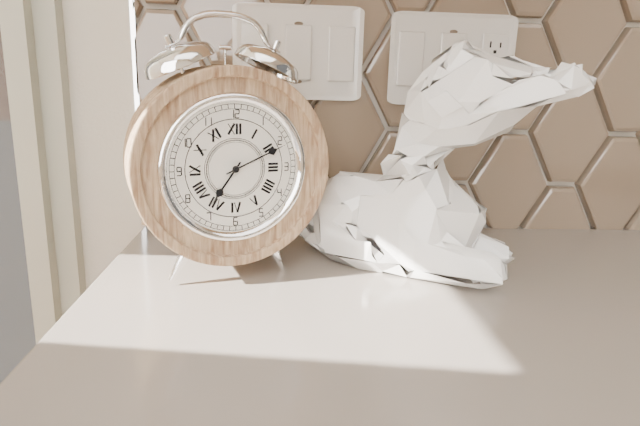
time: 7:11
